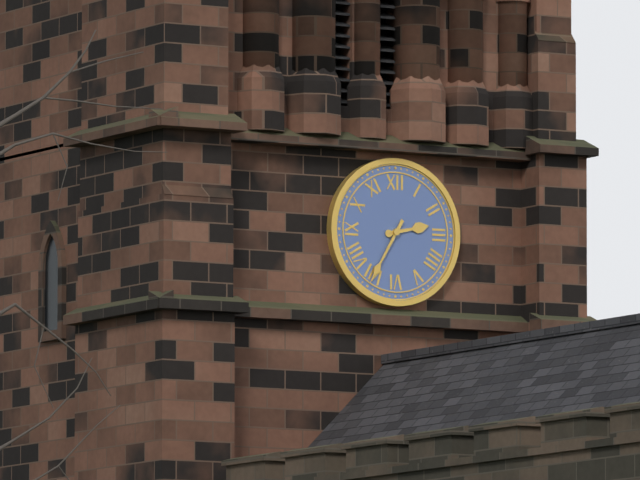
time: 2:35
